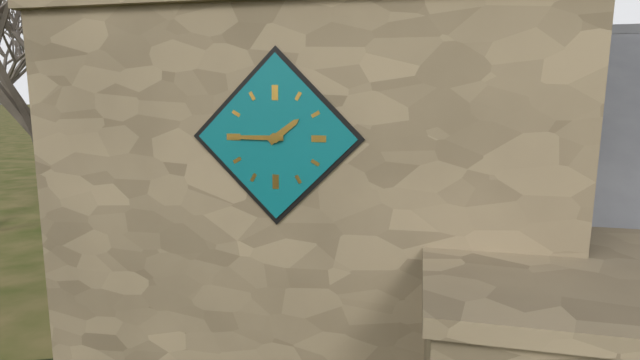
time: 1:45
